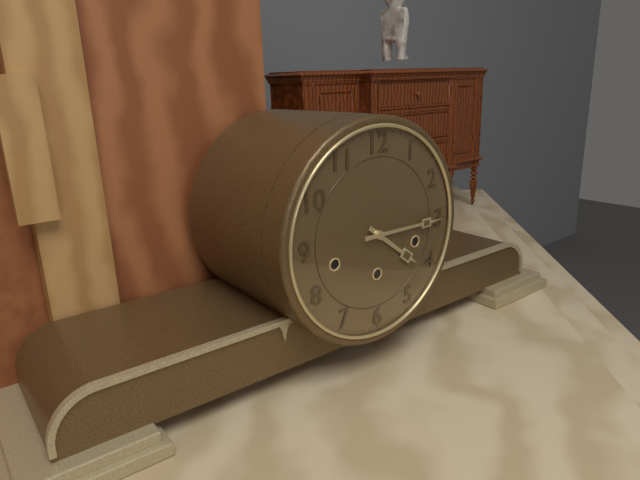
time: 4:15
